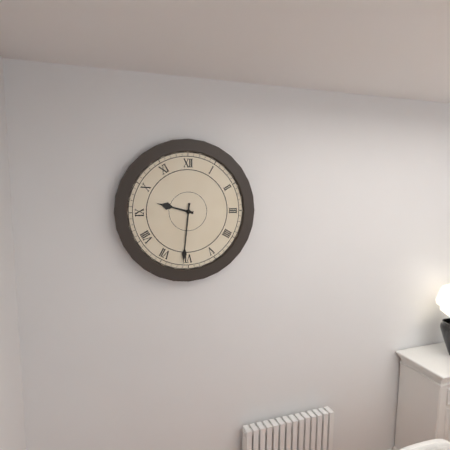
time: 9:31
